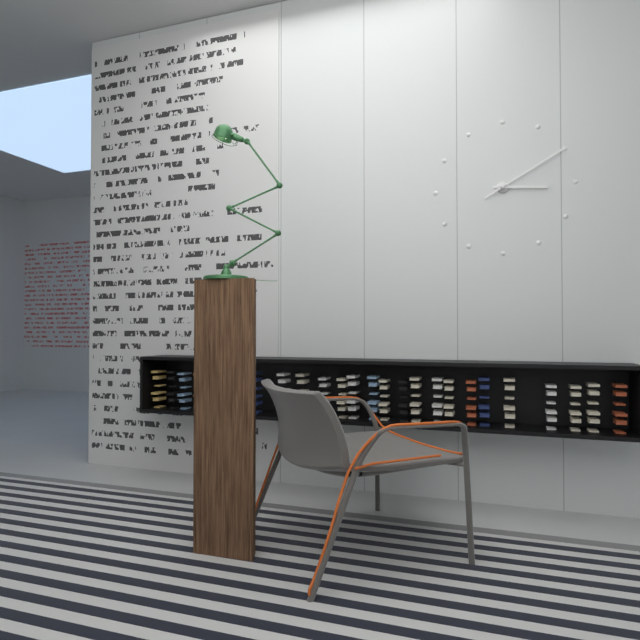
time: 3:10
